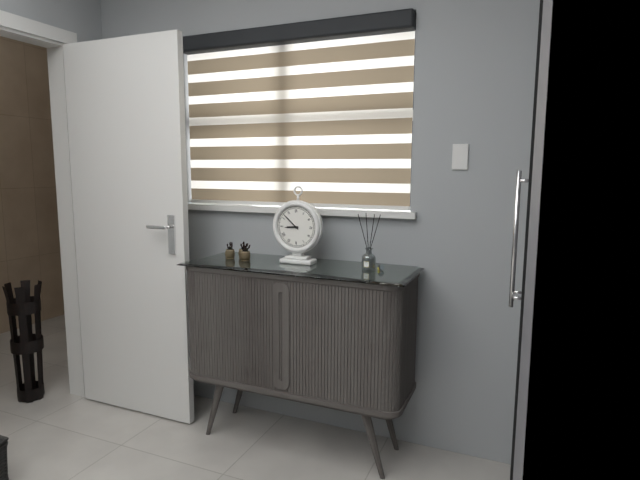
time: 8:52
